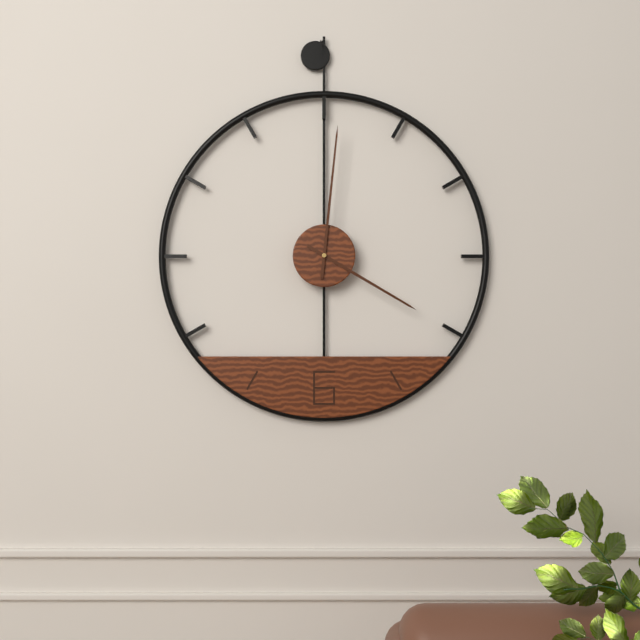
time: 4:01
